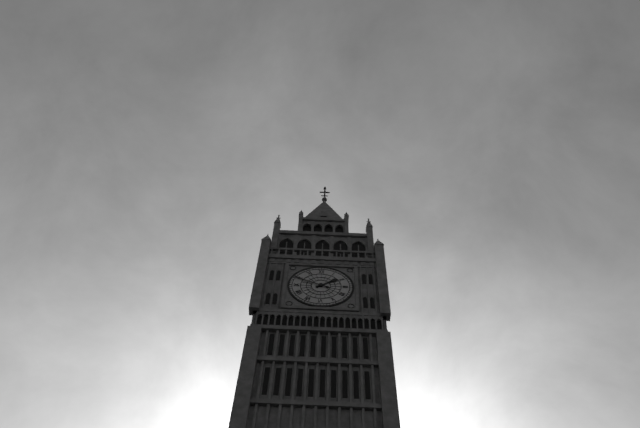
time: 1:49
